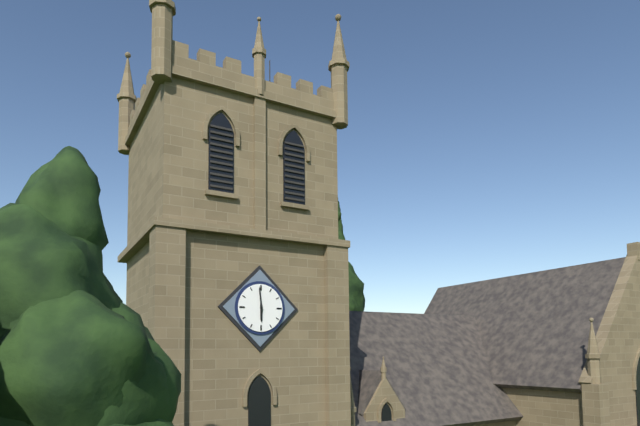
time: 5:59
